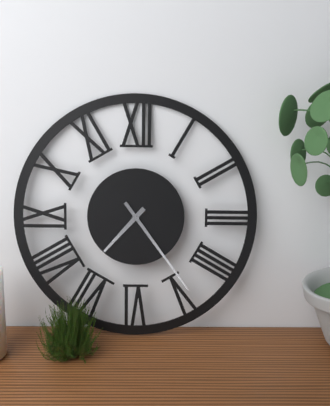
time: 7:24
